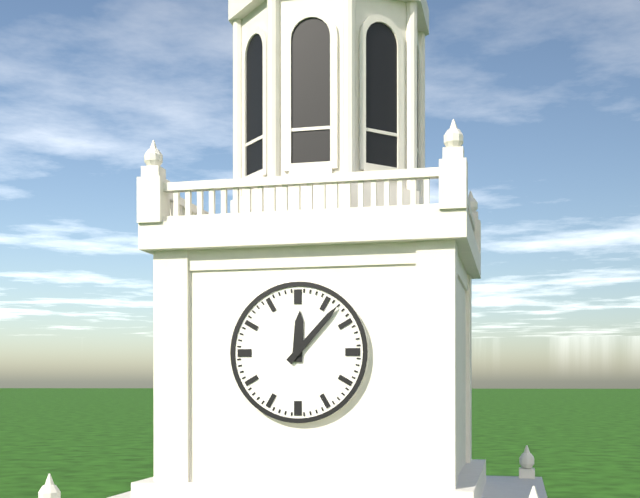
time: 12:07
